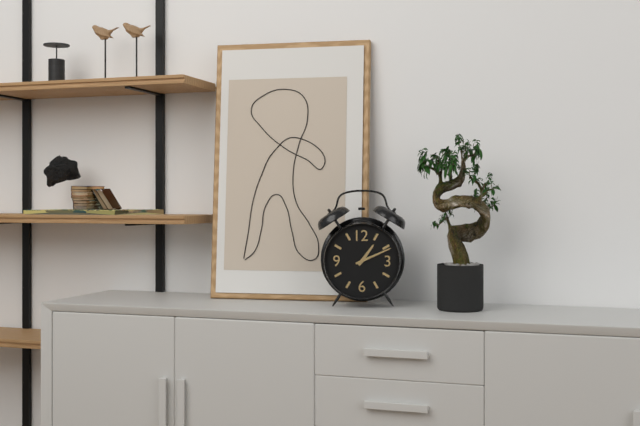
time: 1:11
